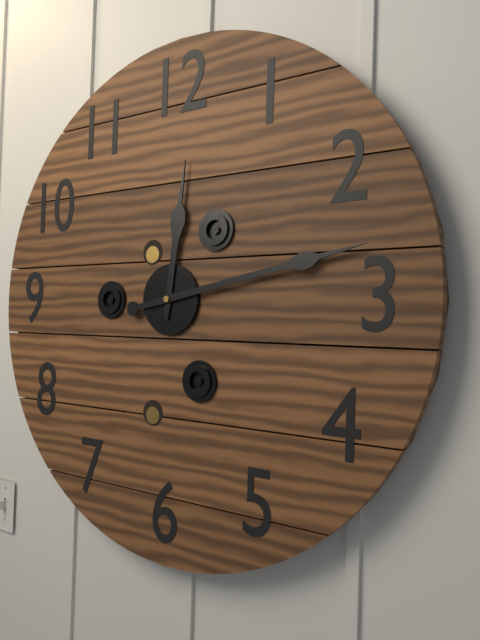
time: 12:13
